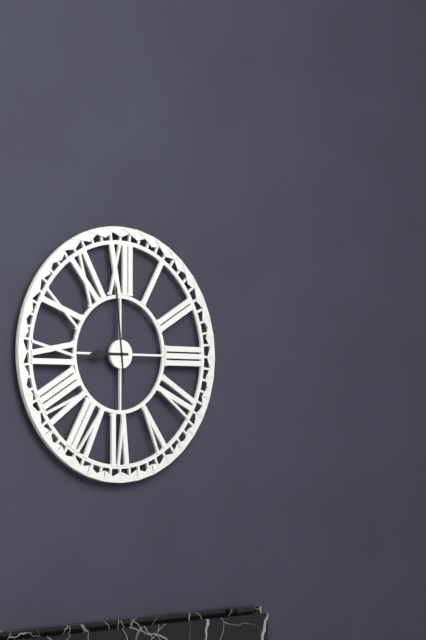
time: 8:59
